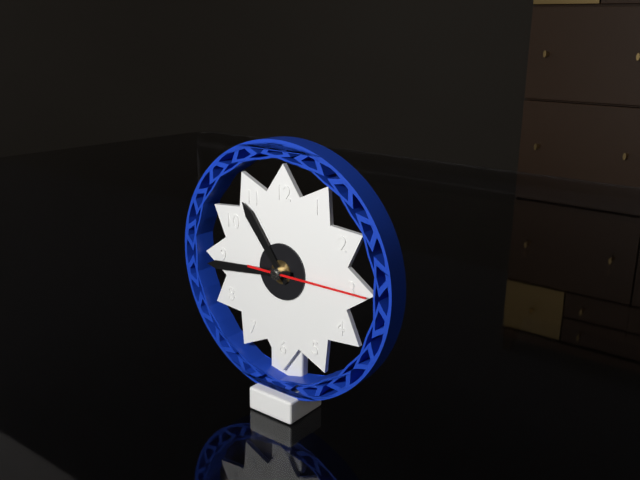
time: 10:44:15
